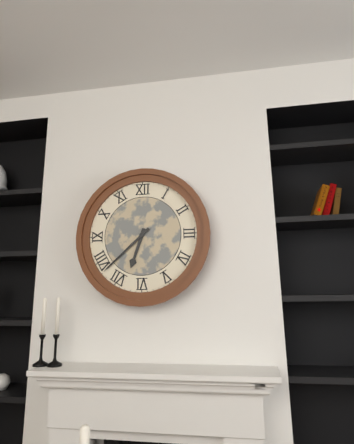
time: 6:38
